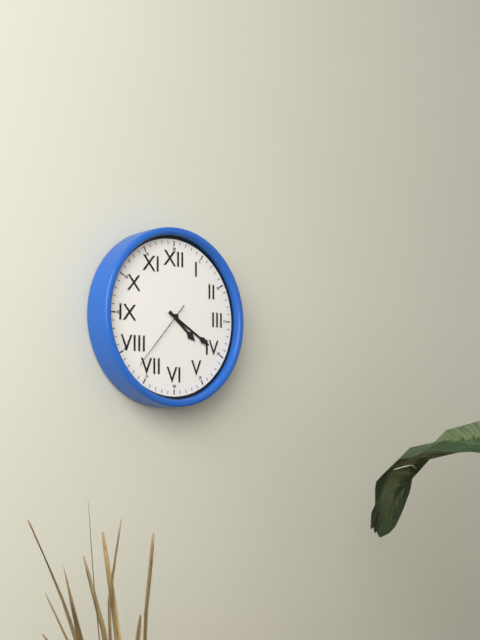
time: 4:20:37
